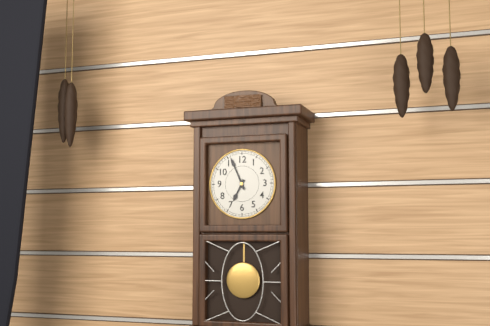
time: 6:56
